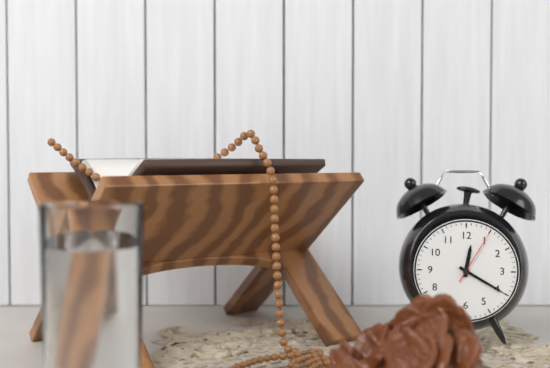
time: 12:20:05
